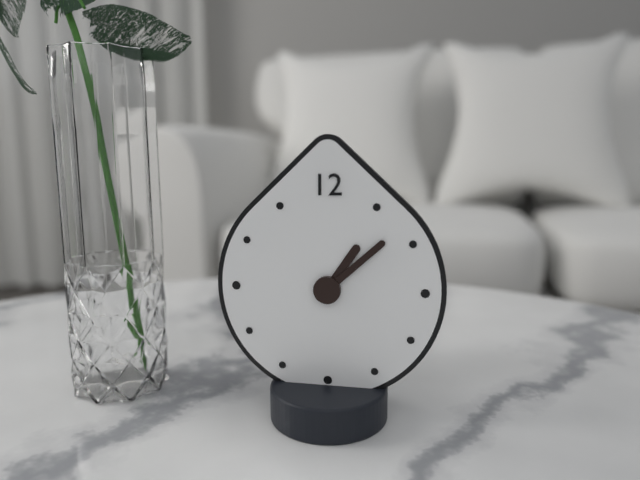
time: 1:08
